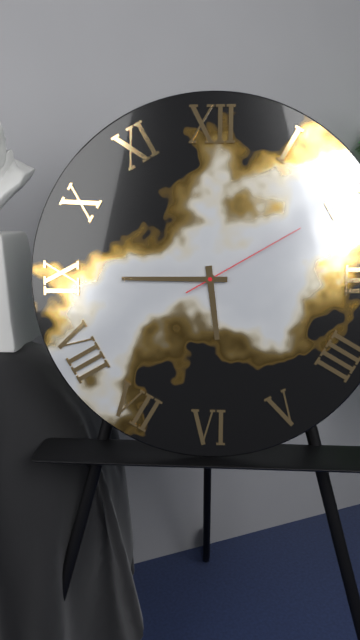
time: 5:45:10
